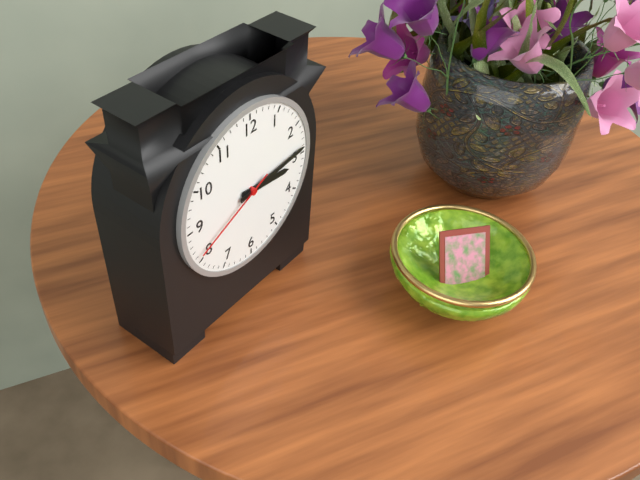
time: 3:14:41
